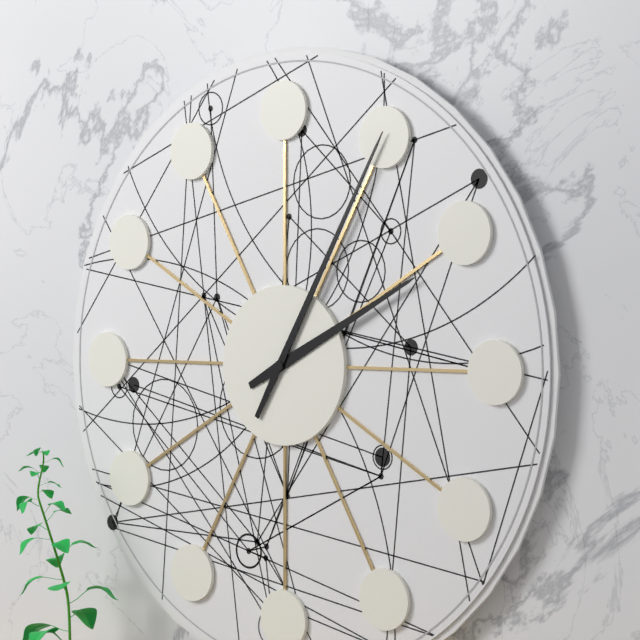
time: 2:05
